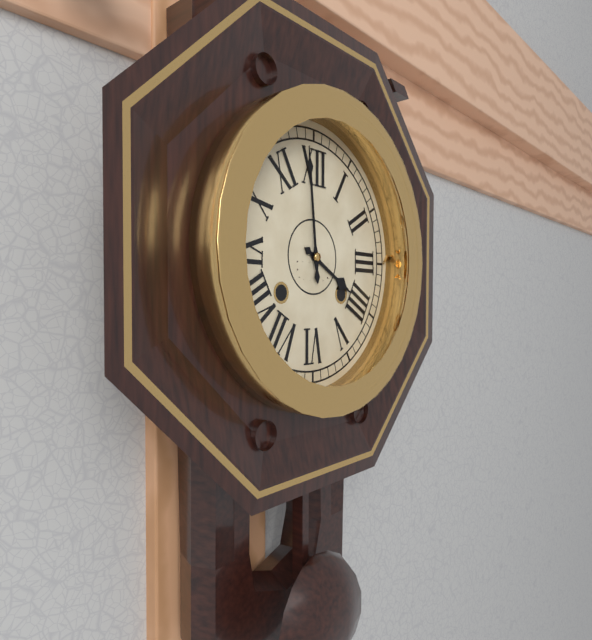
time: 3:59
